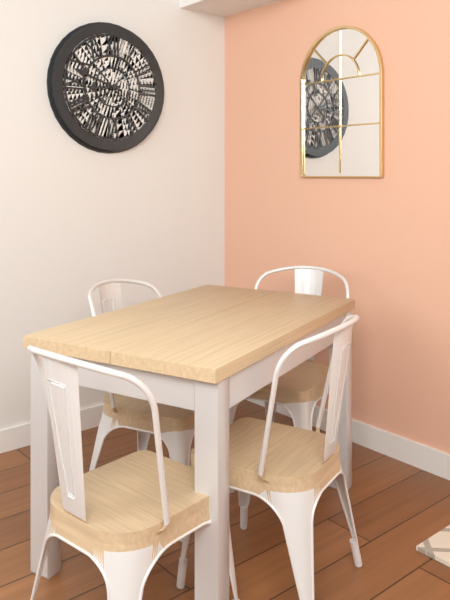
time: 8:48
